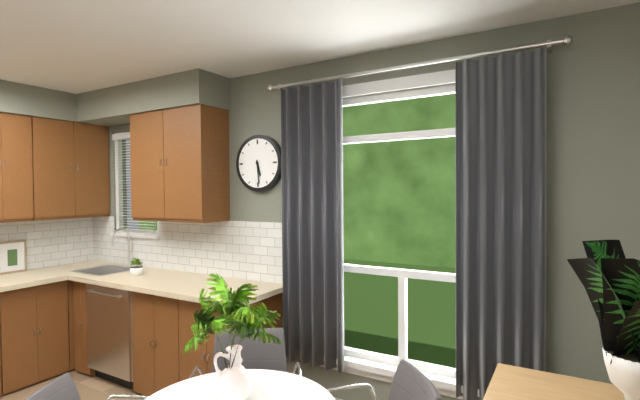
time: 5:29
